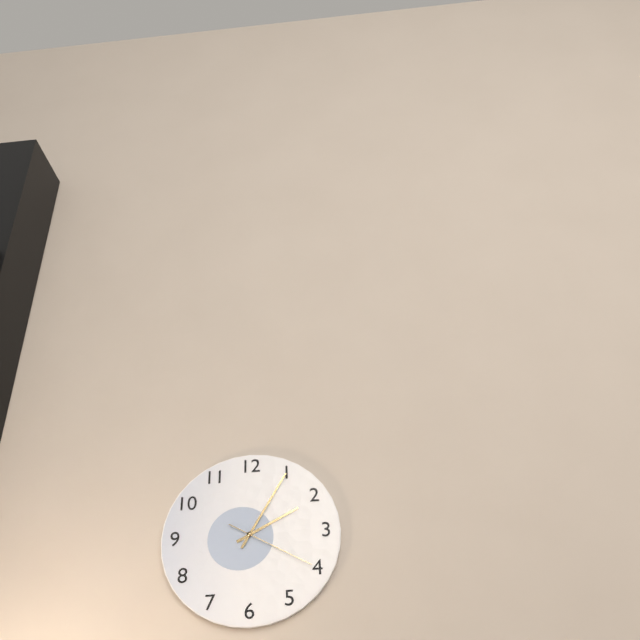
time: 2:05:20
